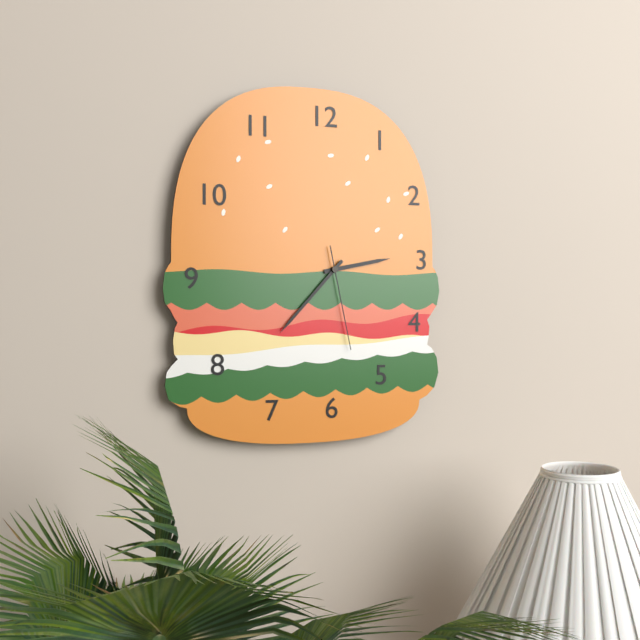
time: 2:37:28
